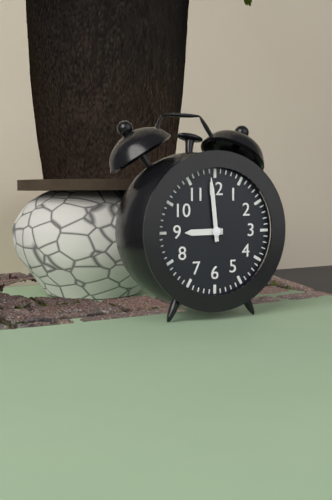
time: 8:59
